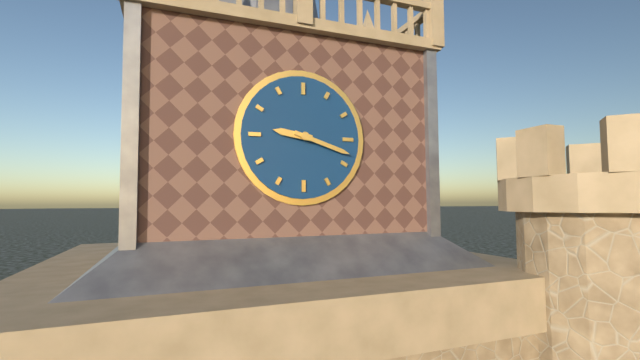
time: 9:18
